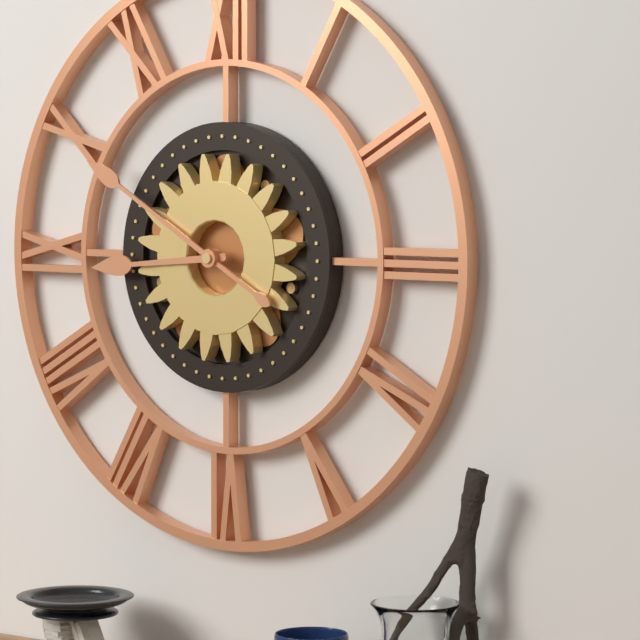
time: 8:50
